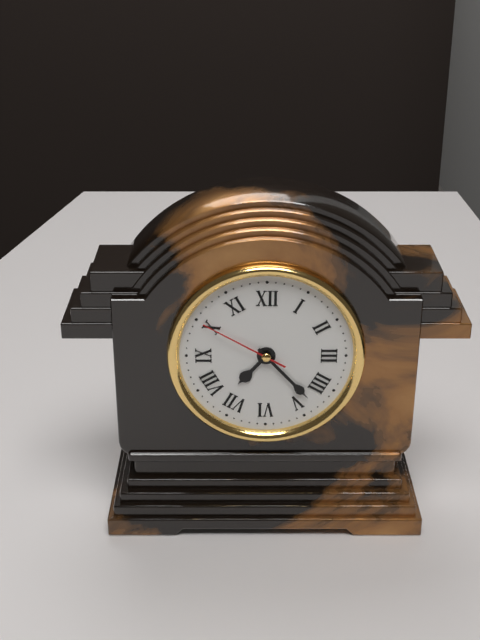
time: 7:23:50
